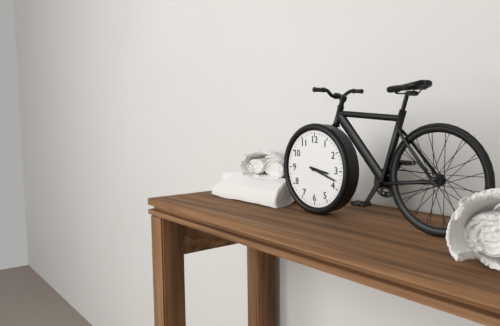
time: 3:18
